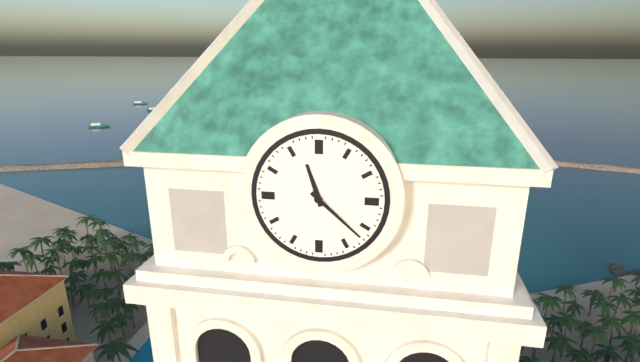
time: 11:22
